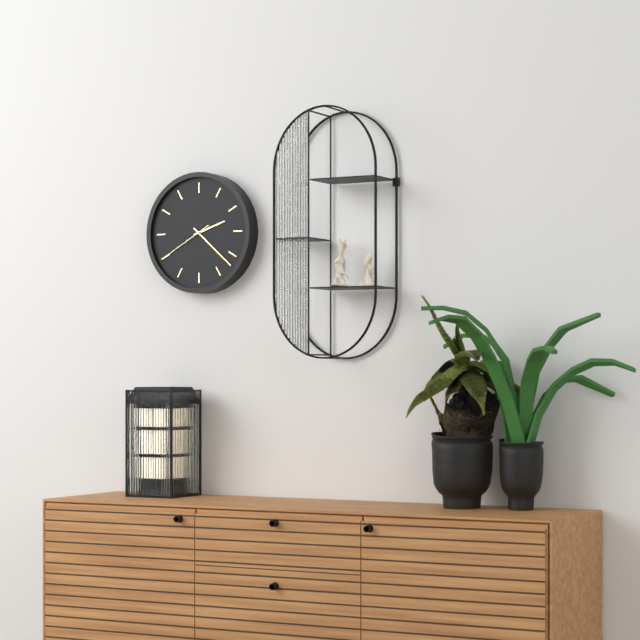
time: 2:22:40
